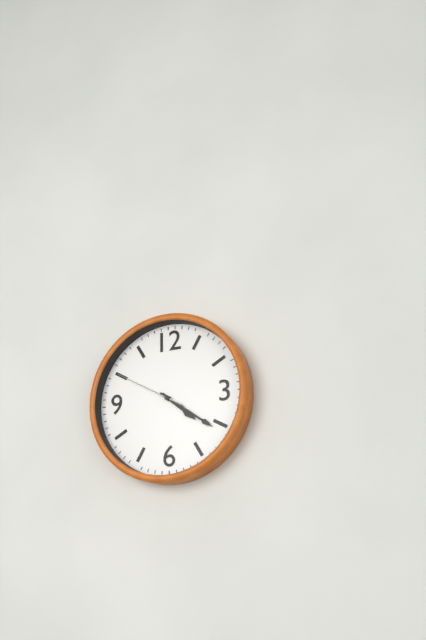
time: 4:21:50
